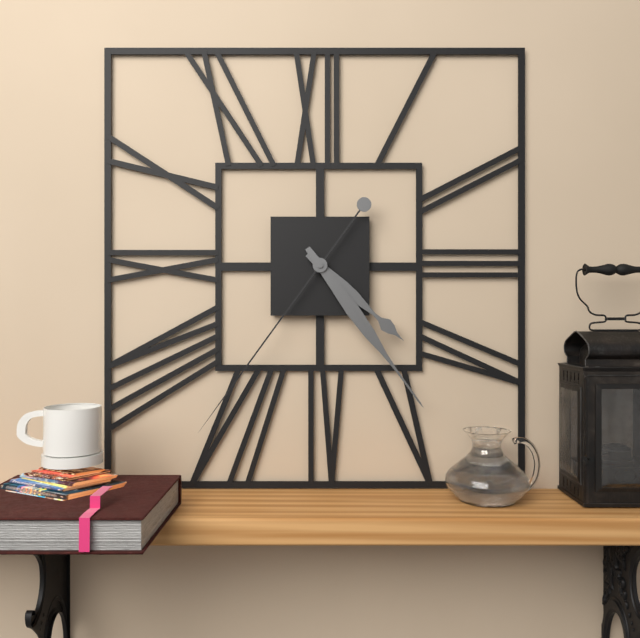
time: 4:24:36
